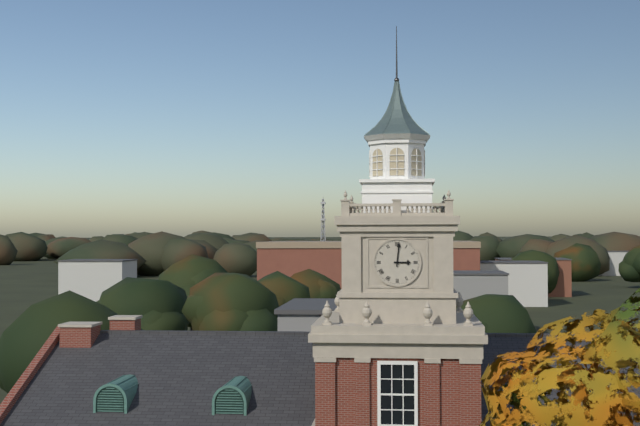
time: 3:01
